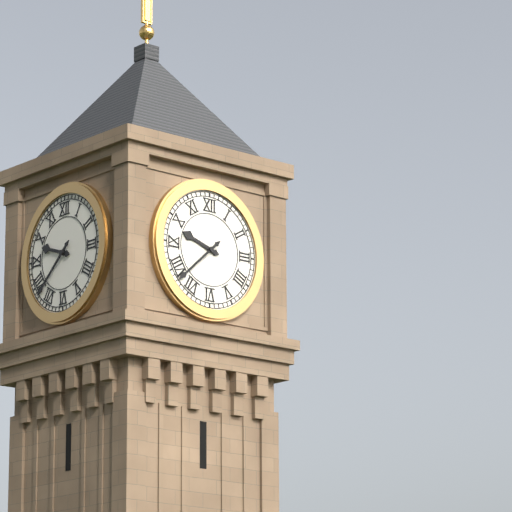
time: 9:38
